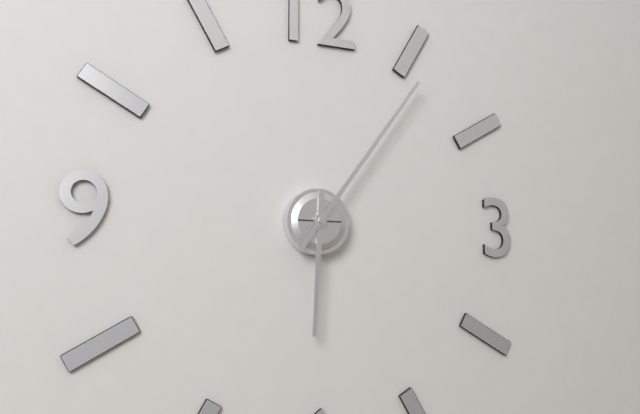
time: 6:06
